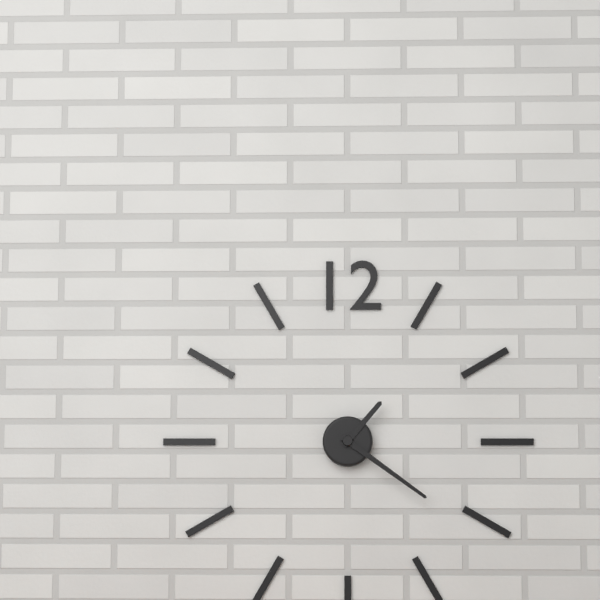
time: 1:21
